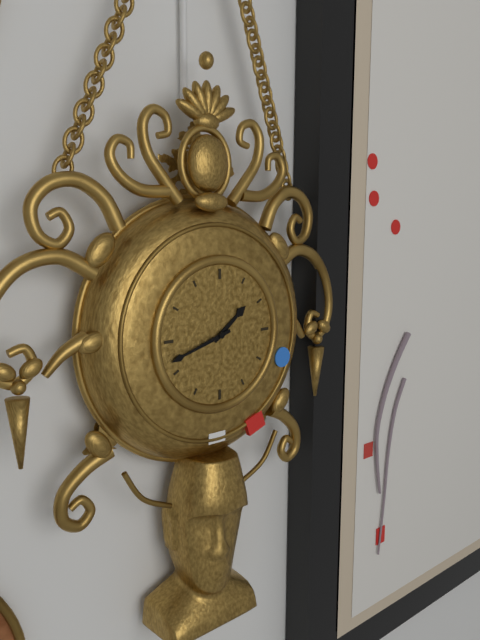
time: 1:42
